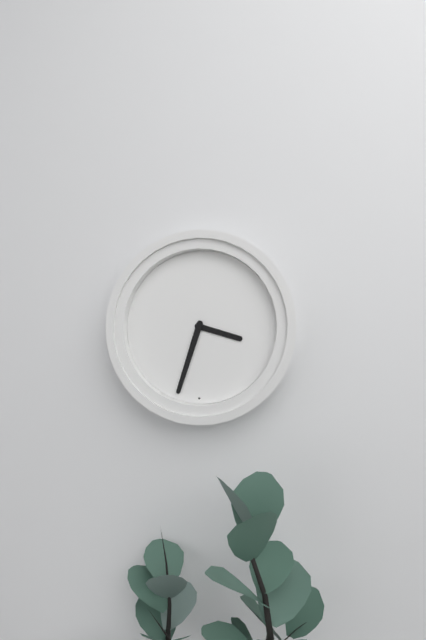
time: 3:33
